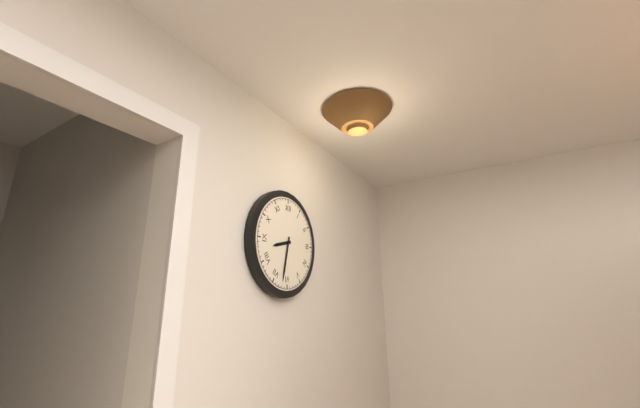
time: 8:32
